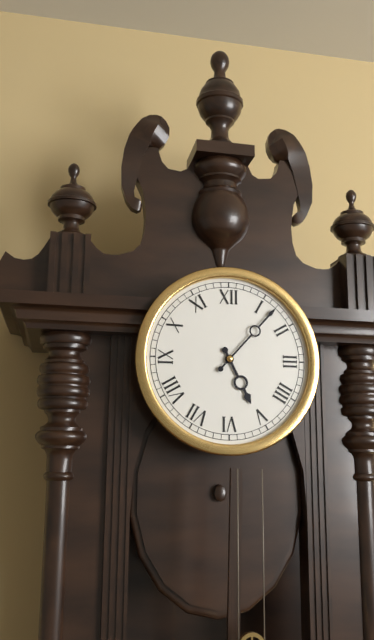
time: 5:07
